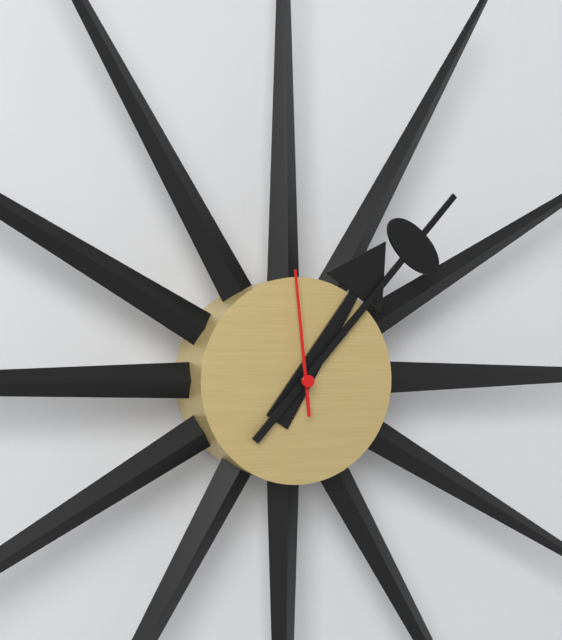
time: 1:07:59
